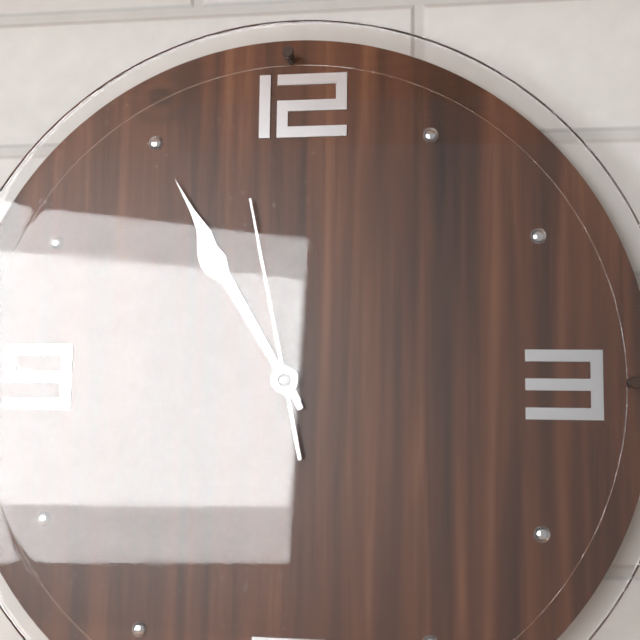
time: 10:55:58
